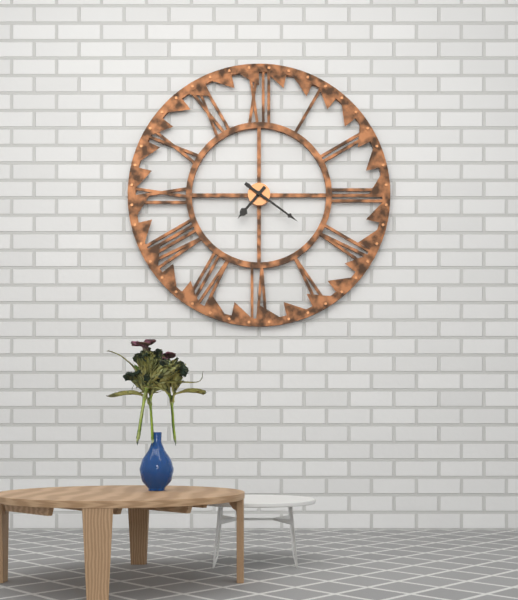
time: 7:21
